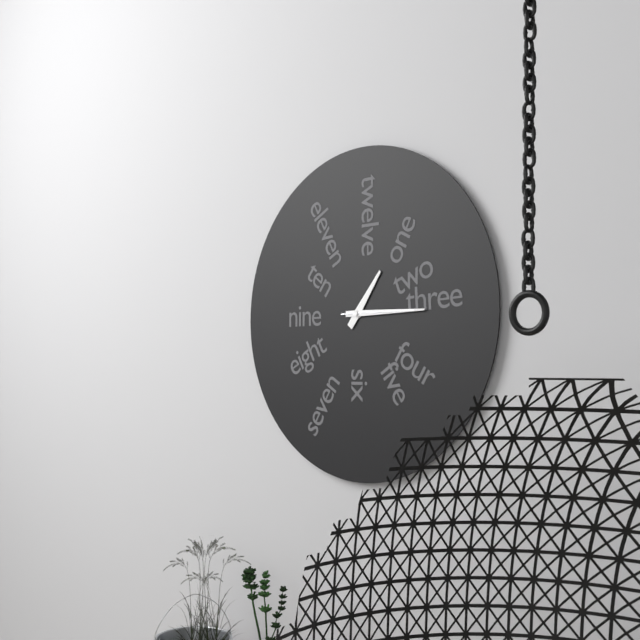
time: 1:15:15
